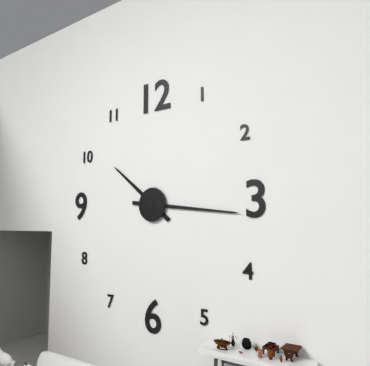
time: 10:16
